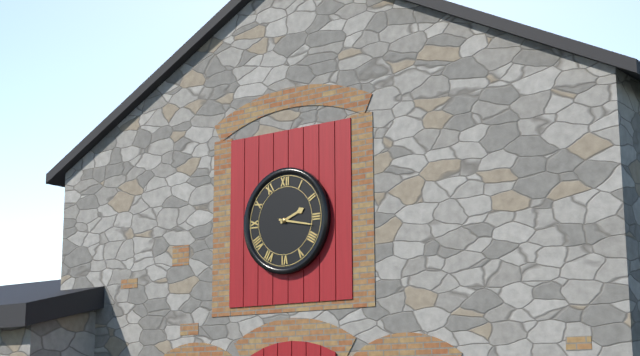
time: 2:17
